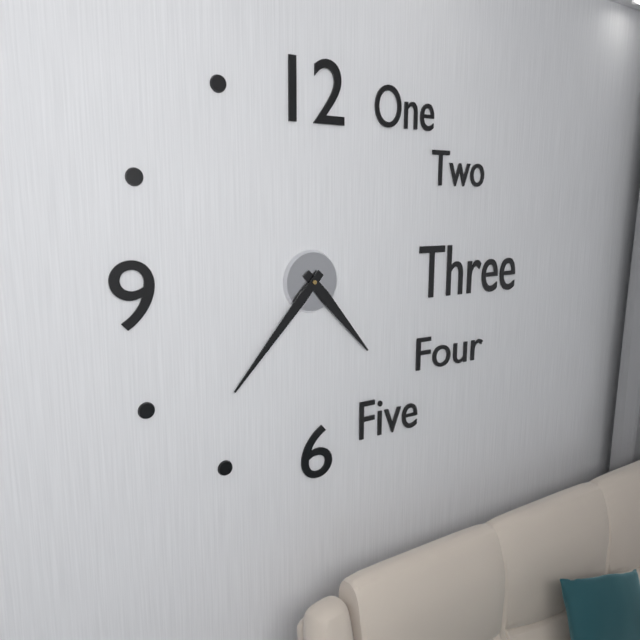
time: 4:37
